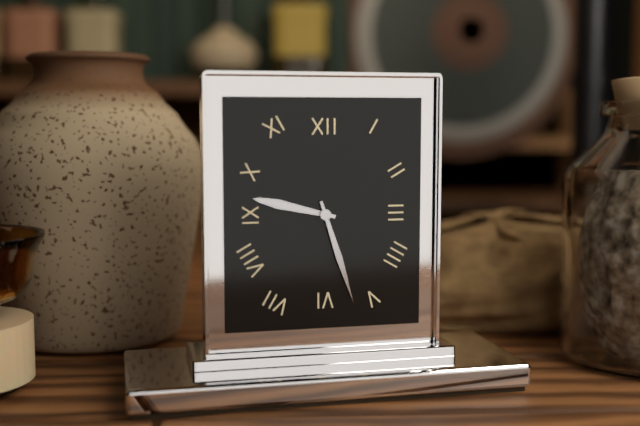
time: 9:27
